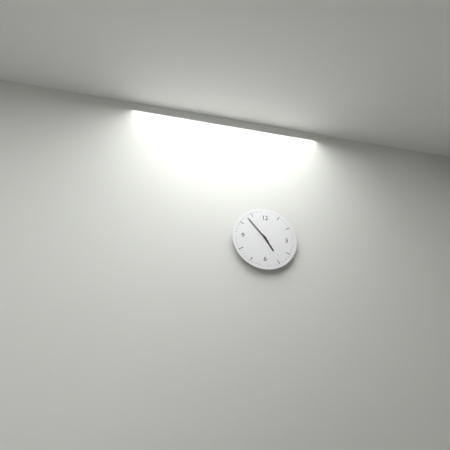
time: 4:53
